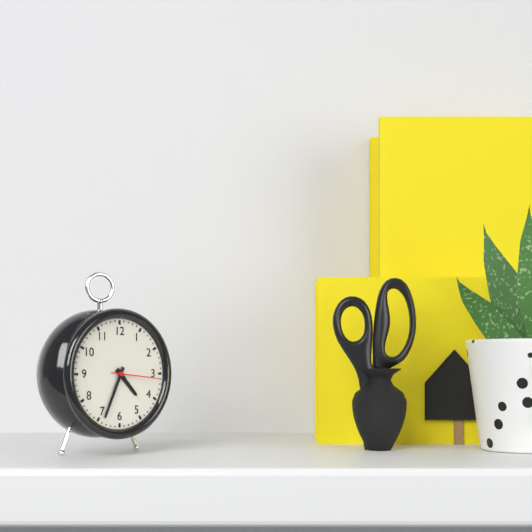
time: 4:34
